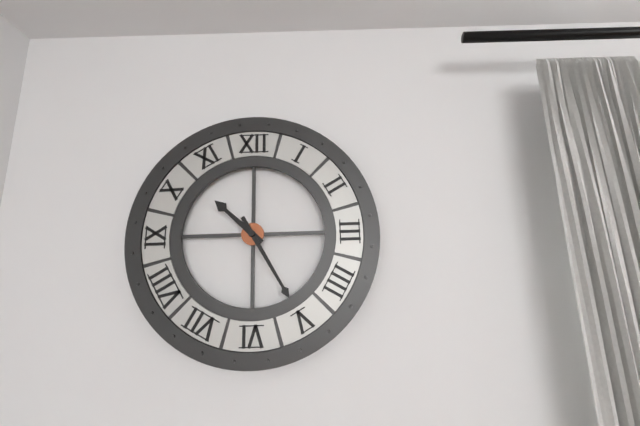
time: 10:25
